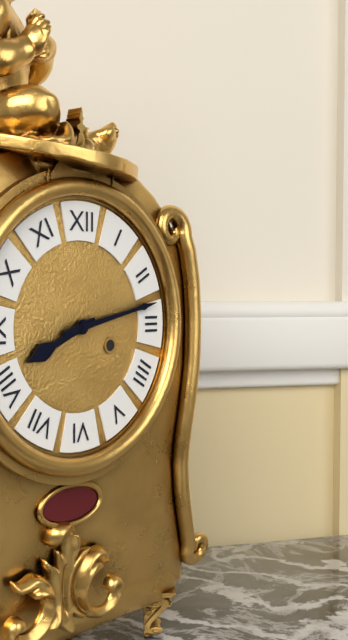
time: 8:13
